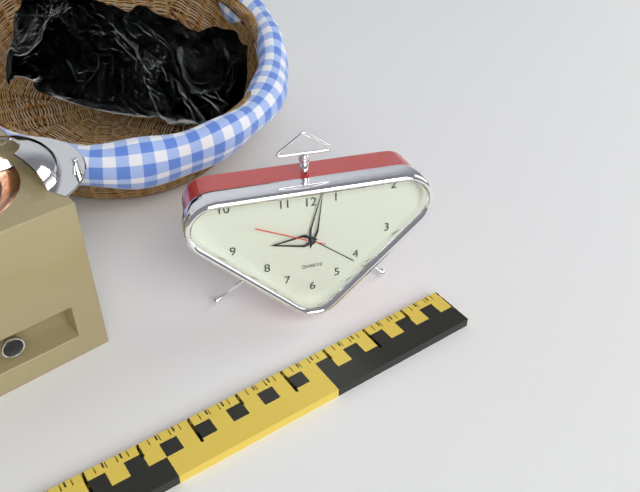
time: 9:02:49
